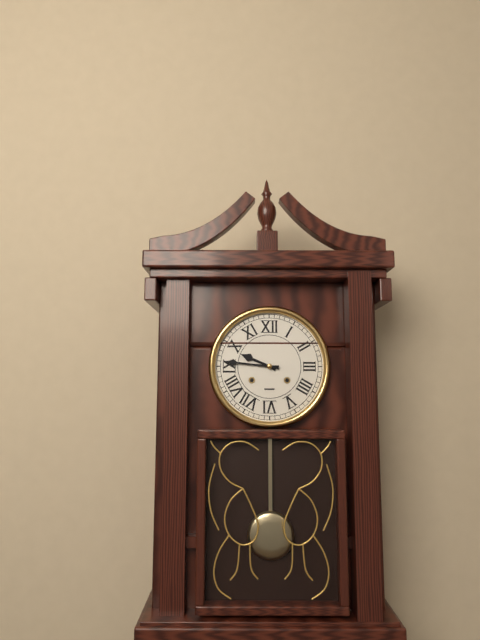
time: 9:46
